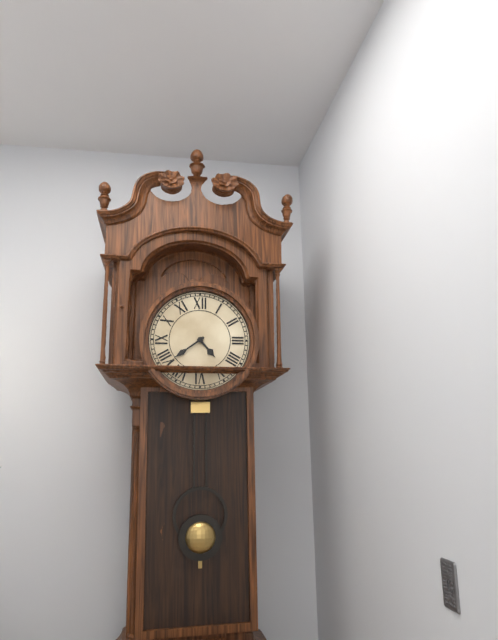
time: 4:39
